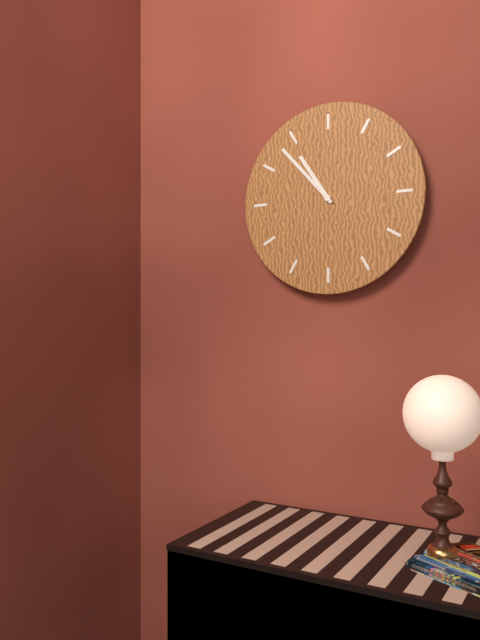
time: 10:53
